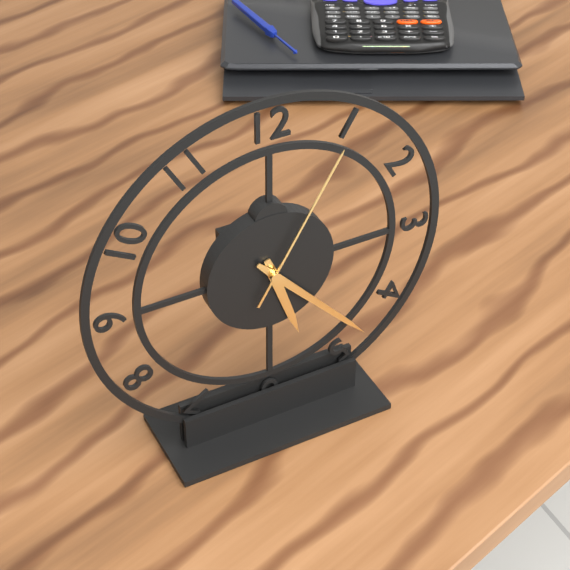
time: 5:23:05
